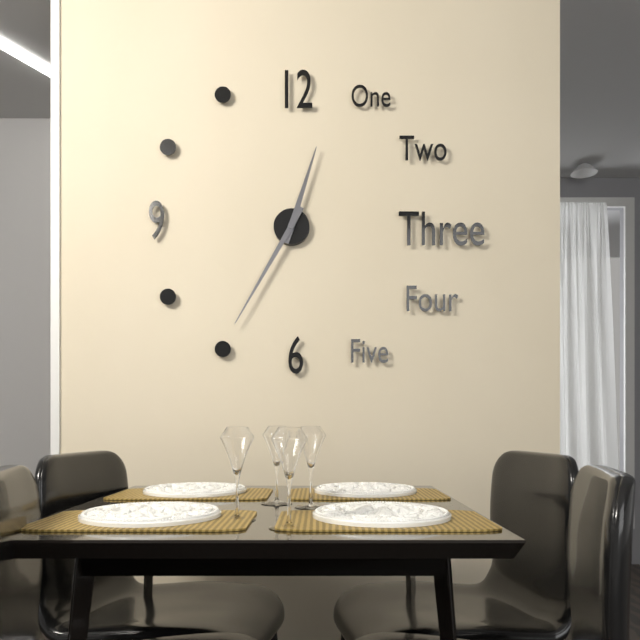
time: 12:35
